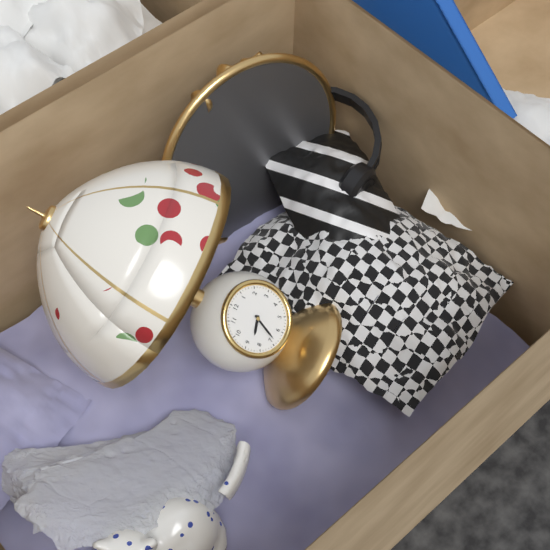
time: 8:34
